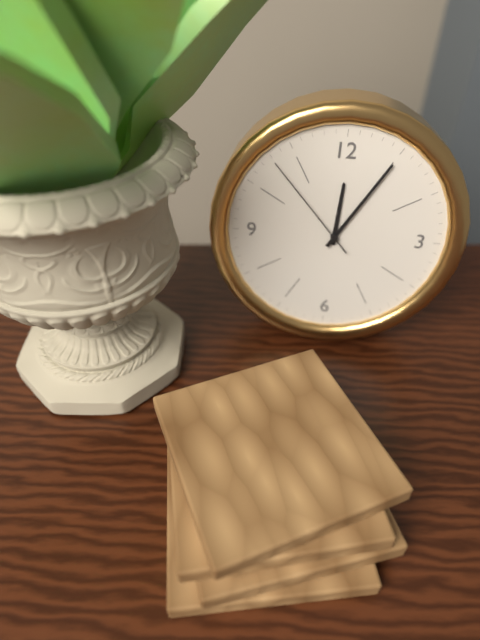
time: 12:05:53
